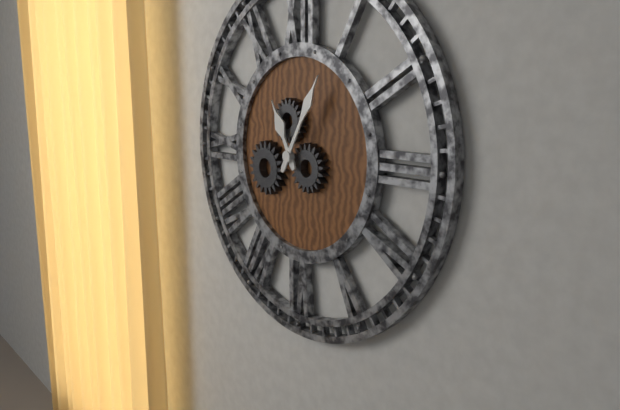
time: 11:05
